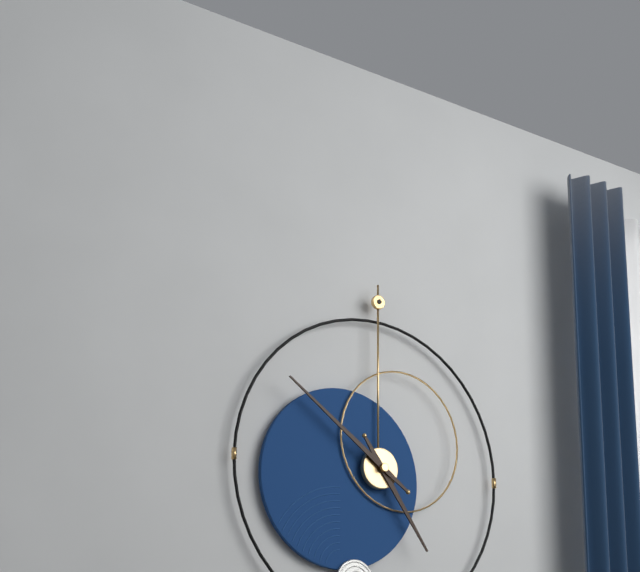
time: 4:51
